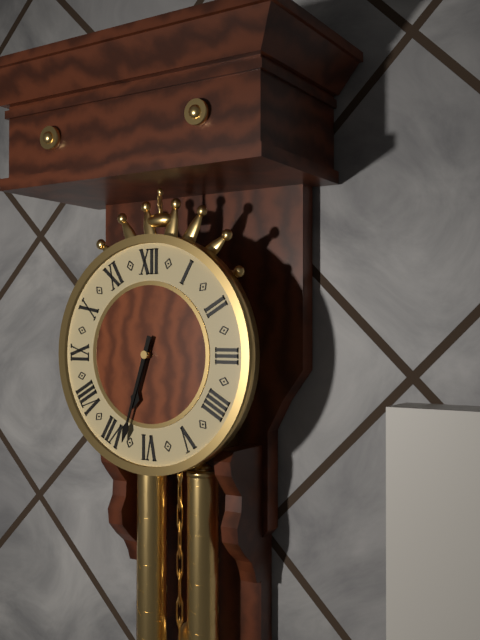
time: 6:33
